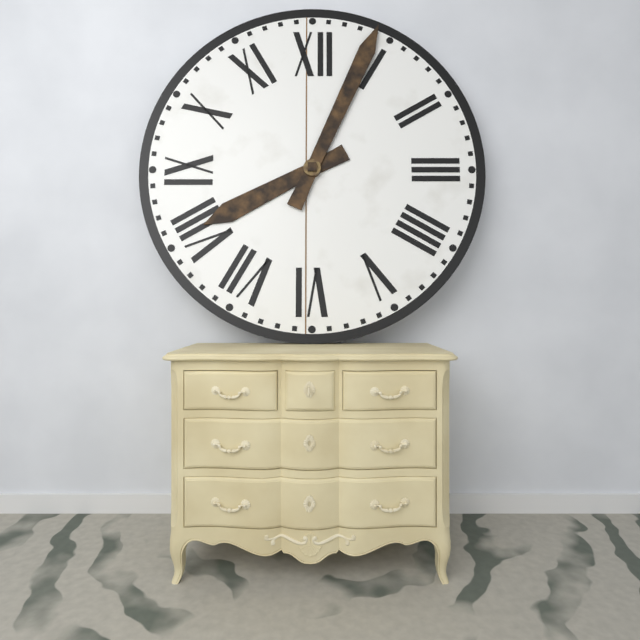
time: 8:04
